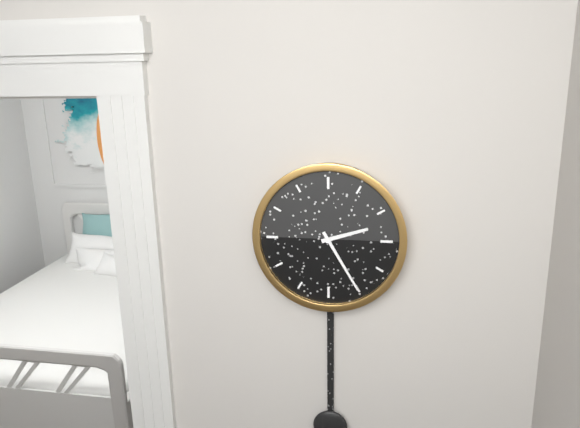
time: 2:25
